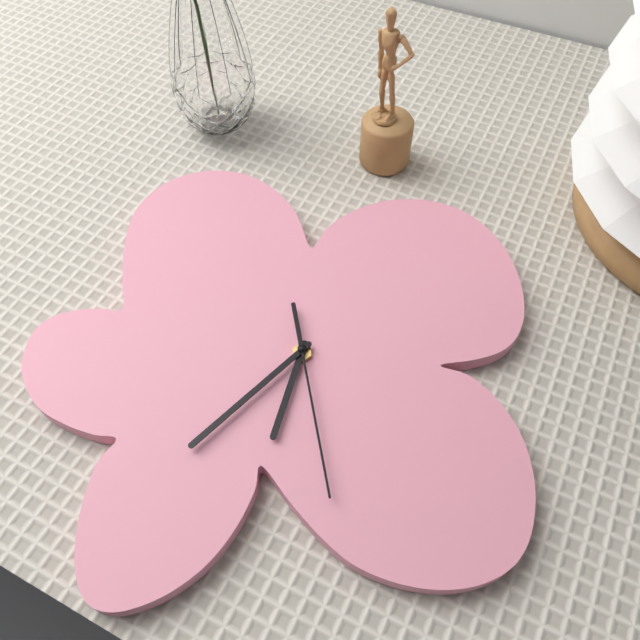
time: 6:38:29
